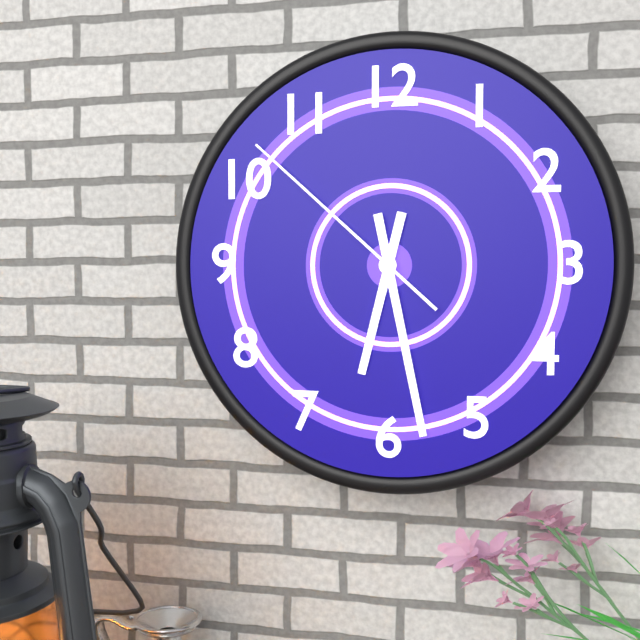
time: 6:28:52
